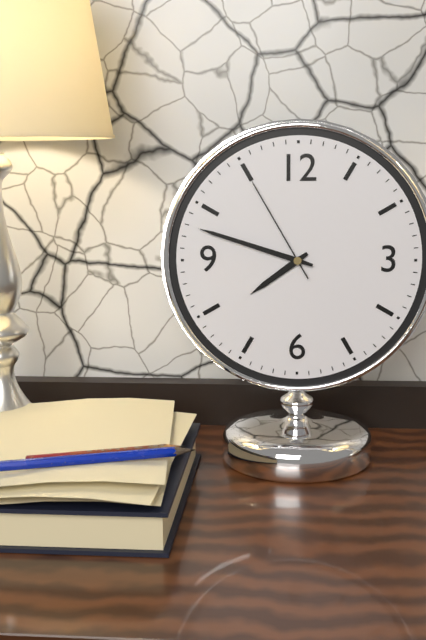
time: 7:48:55
